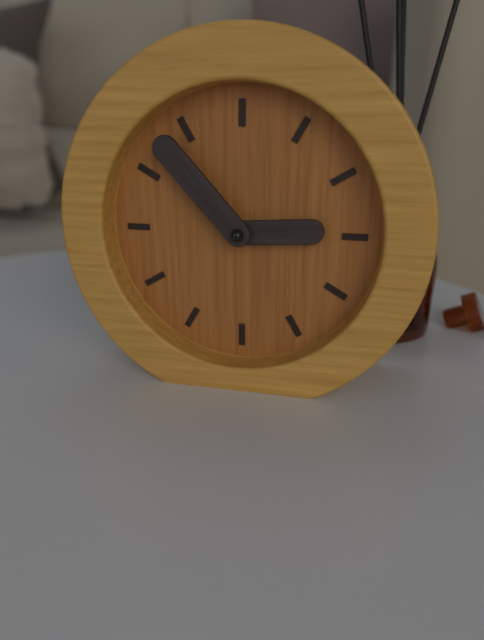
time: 2:53
